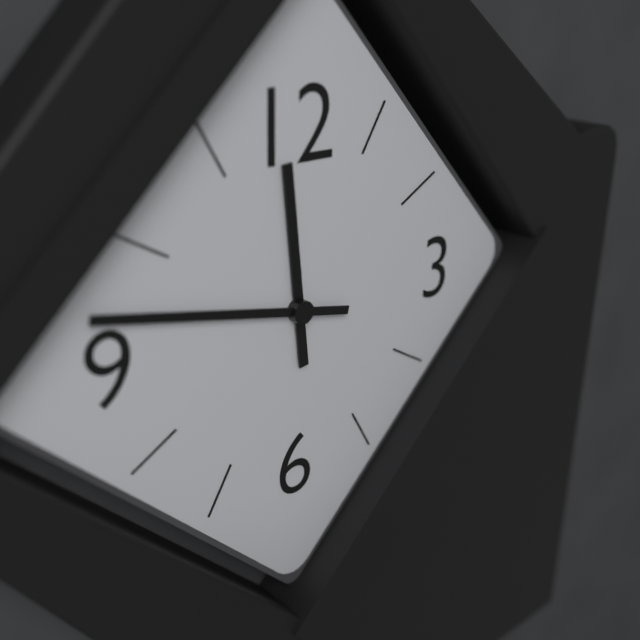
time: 11:47
